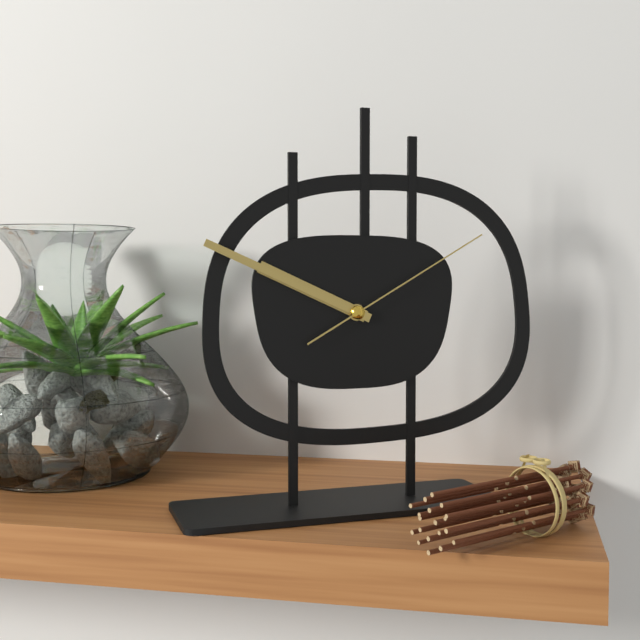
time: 9:49:10
